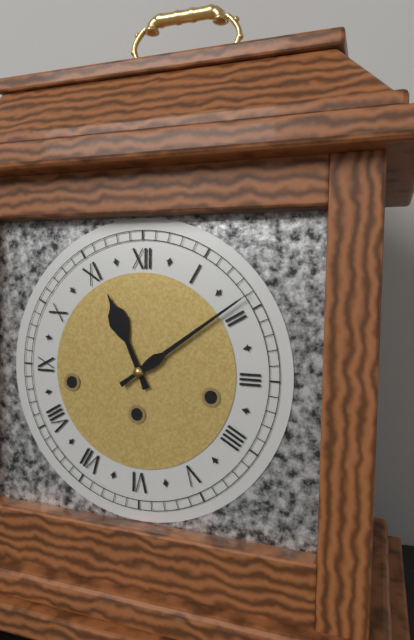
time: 11:09
